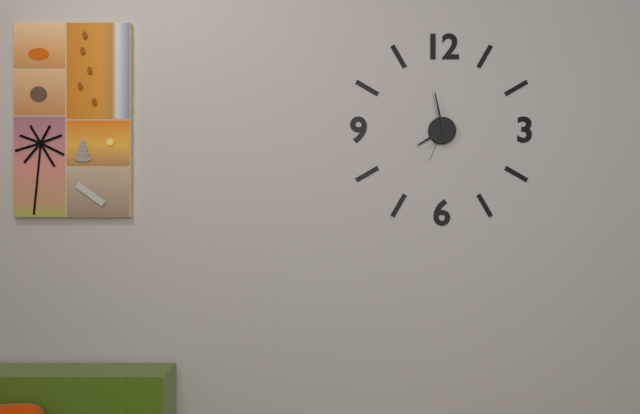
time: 7:58
